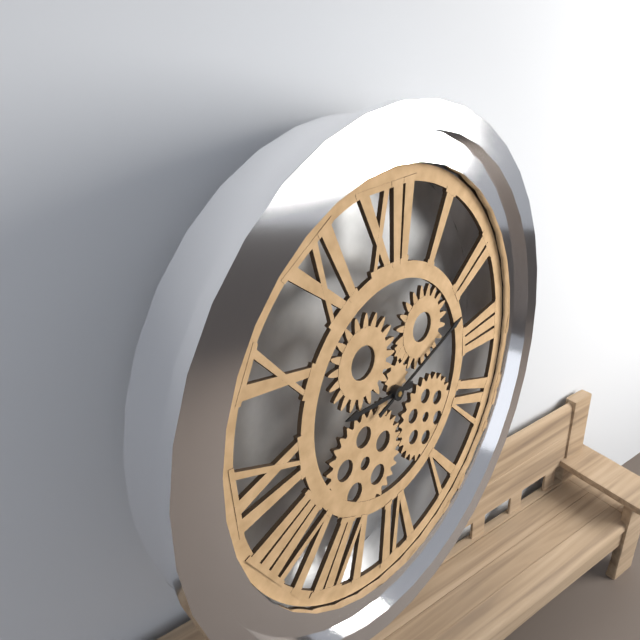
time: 9:12
